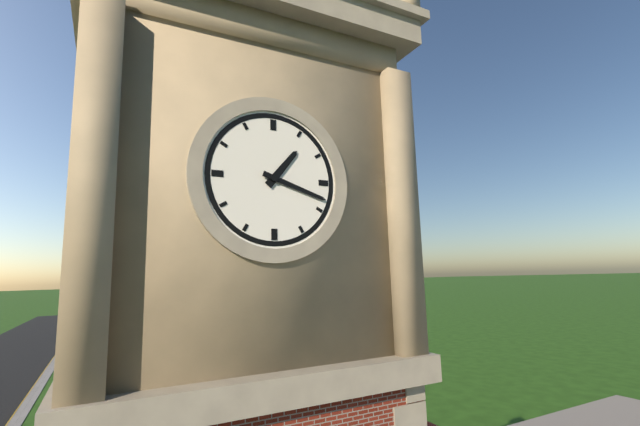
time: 1:18
